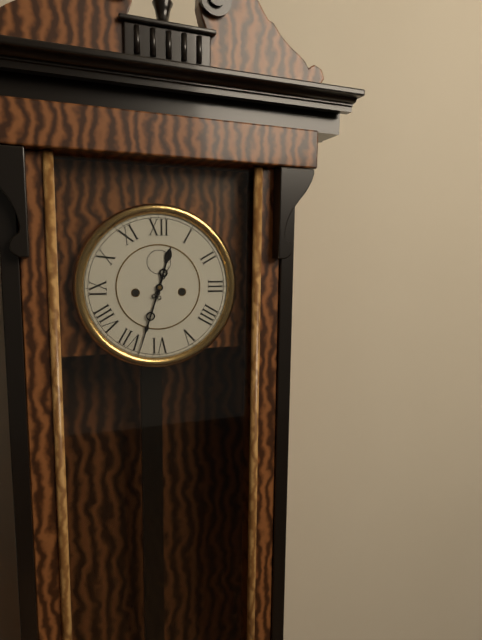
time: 12:33
